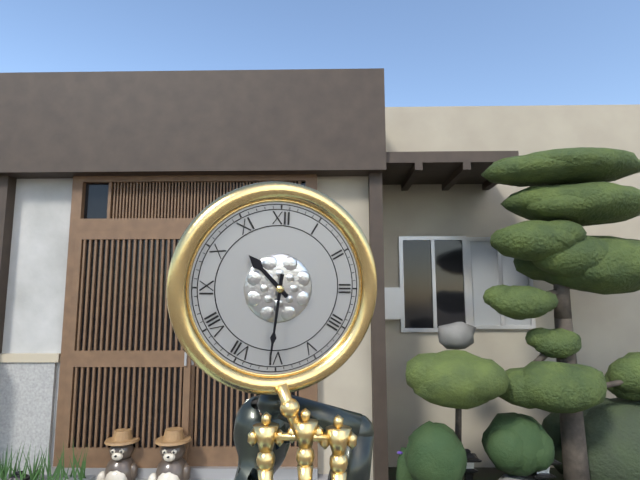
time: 10:31
